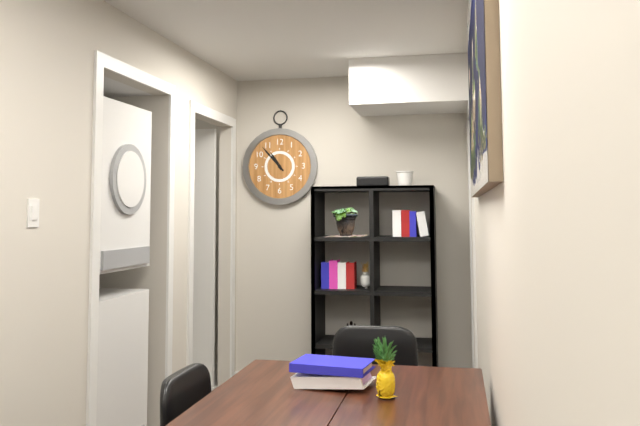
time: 10:53
